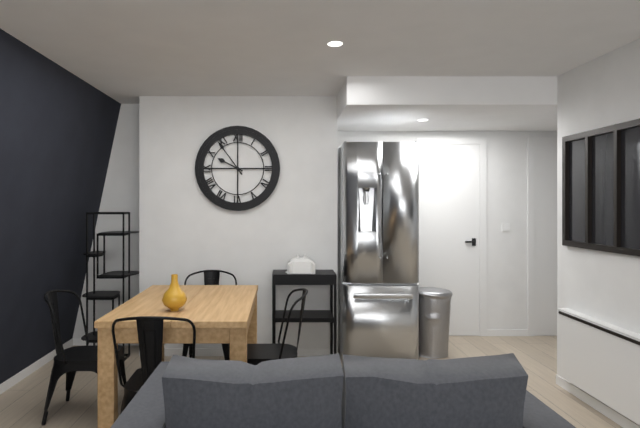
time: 9:54
